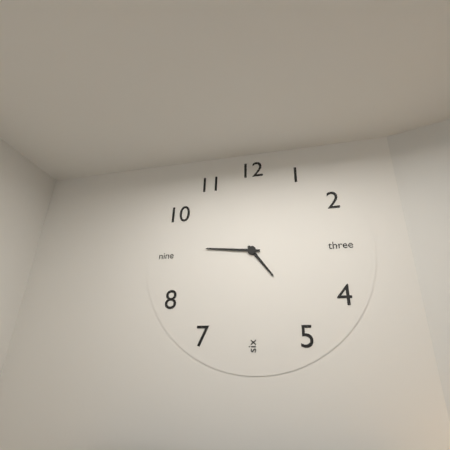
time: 4:46
